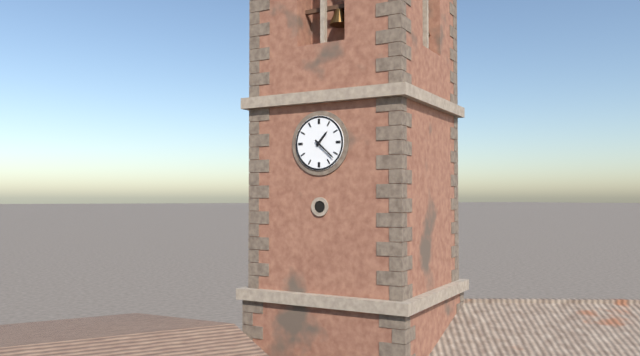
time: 1:22
